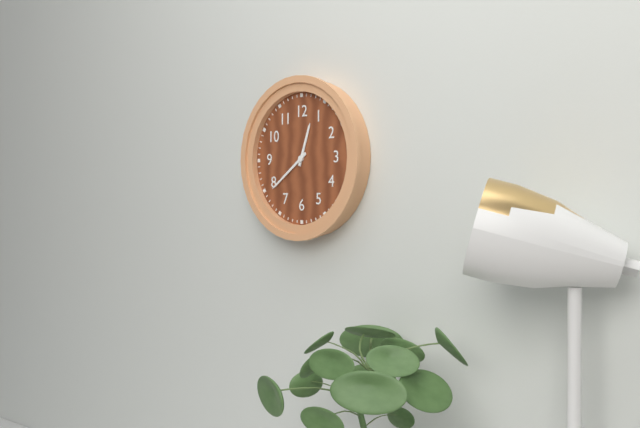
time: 12:39
